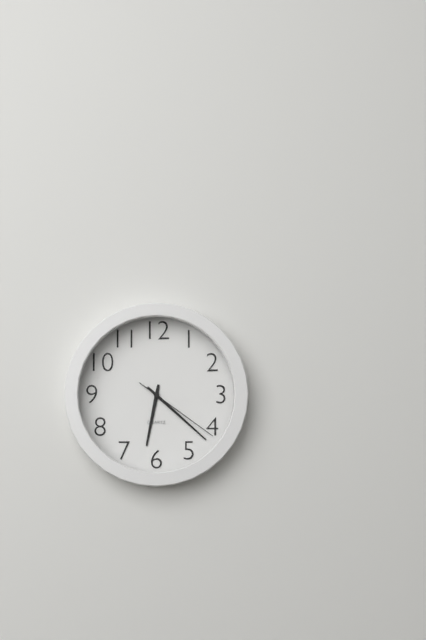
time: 6:22:21
